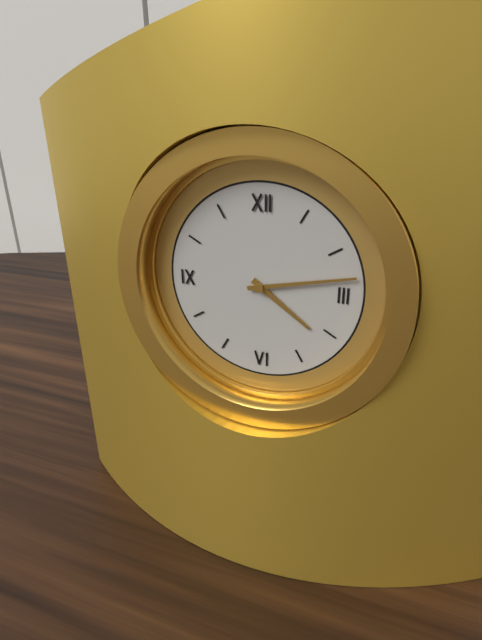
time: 4:13
